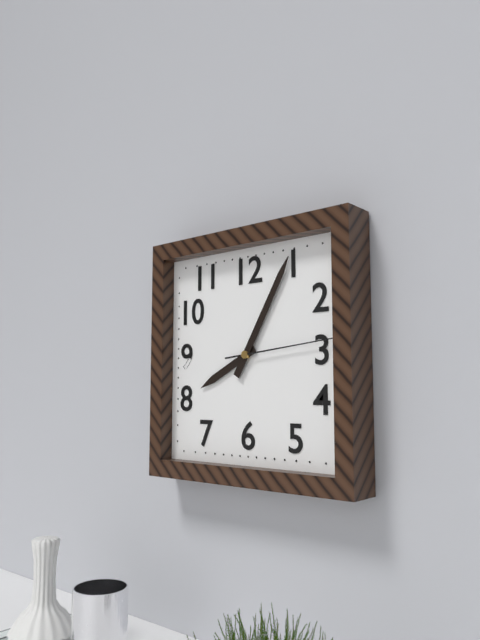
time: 8:05:14
